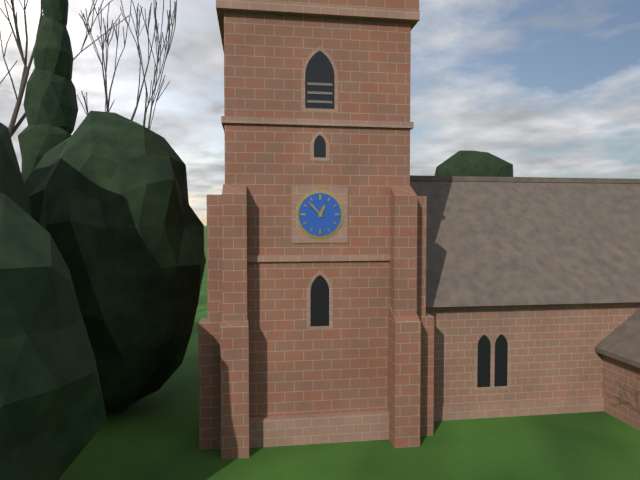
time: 12:53
